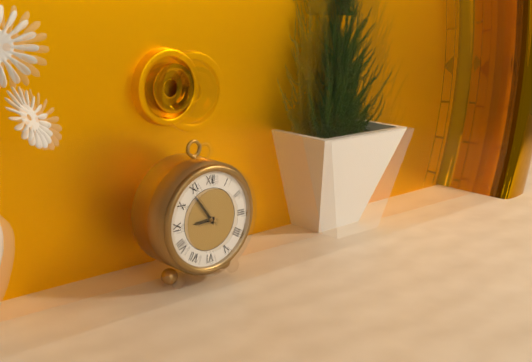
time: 8:54
